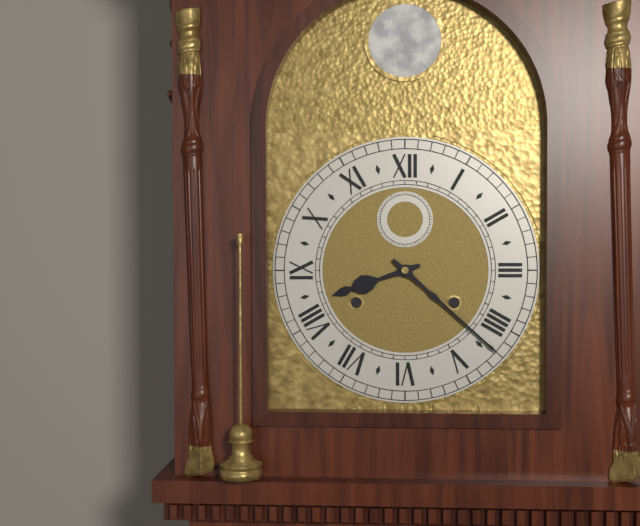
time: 8:22
